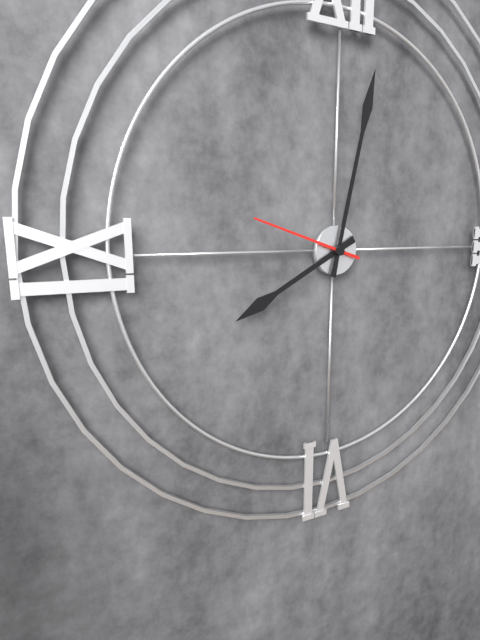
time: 8:02:48
